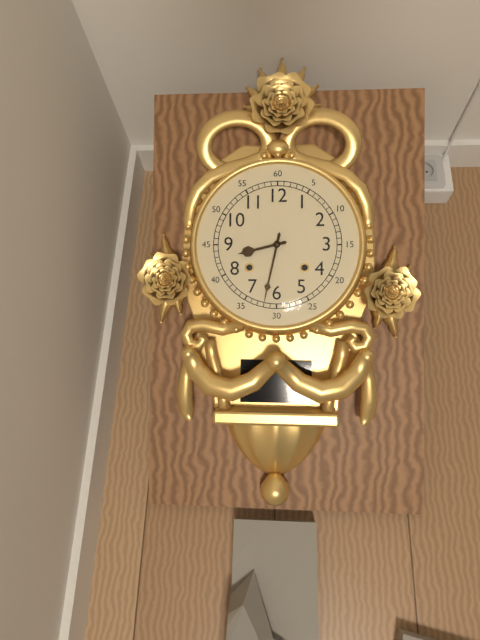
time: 8:32
